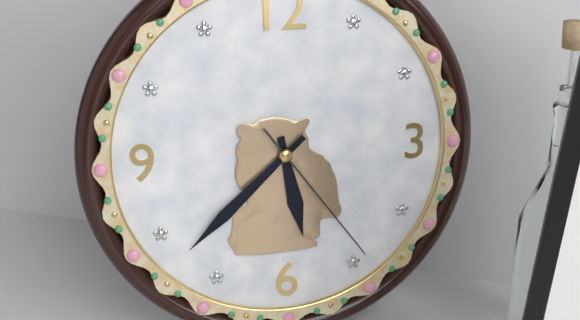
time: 5:38:24
